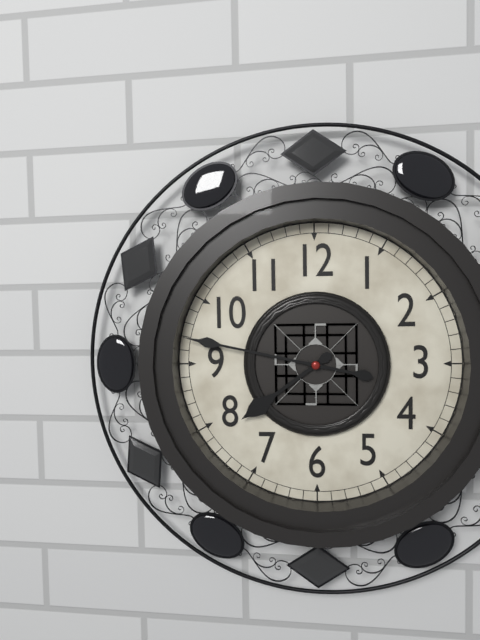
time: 7:47
